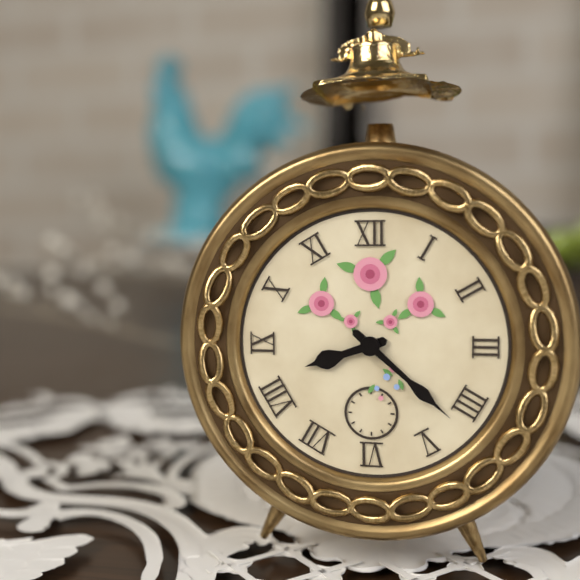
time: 8:22
